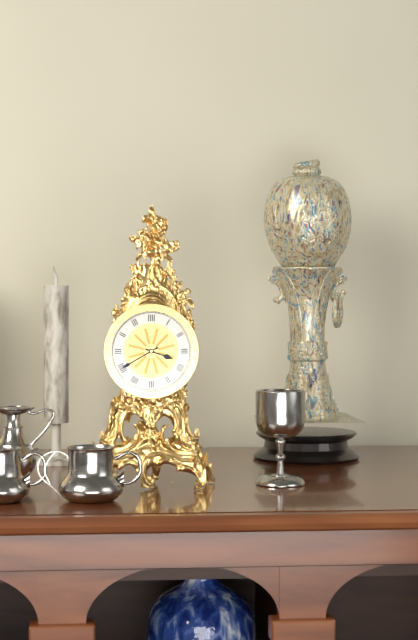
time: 3:40
